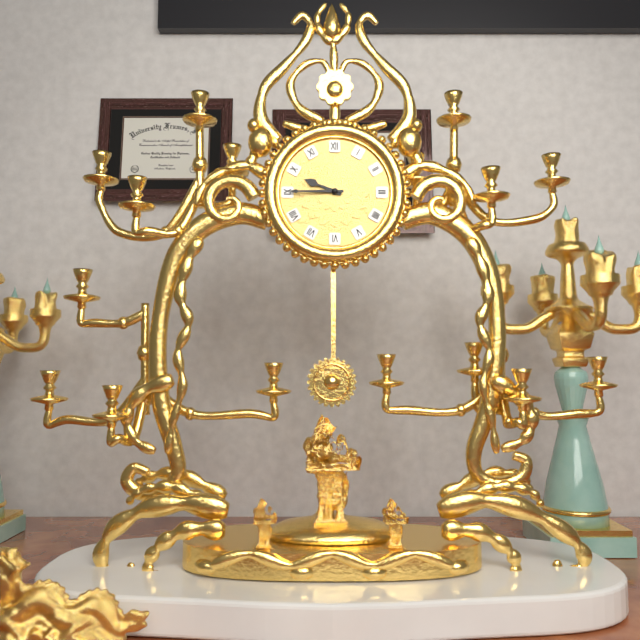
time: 9:45
